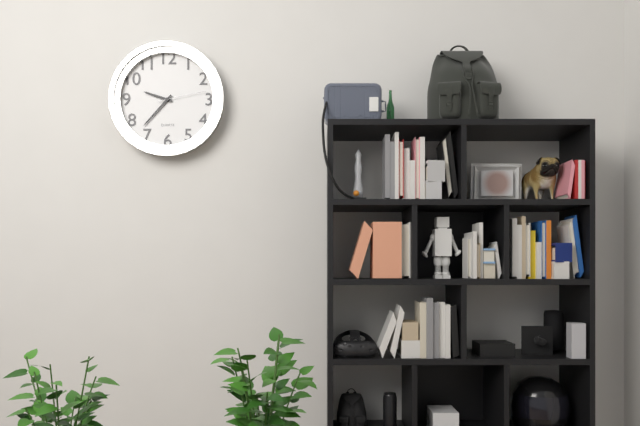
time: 9:37
